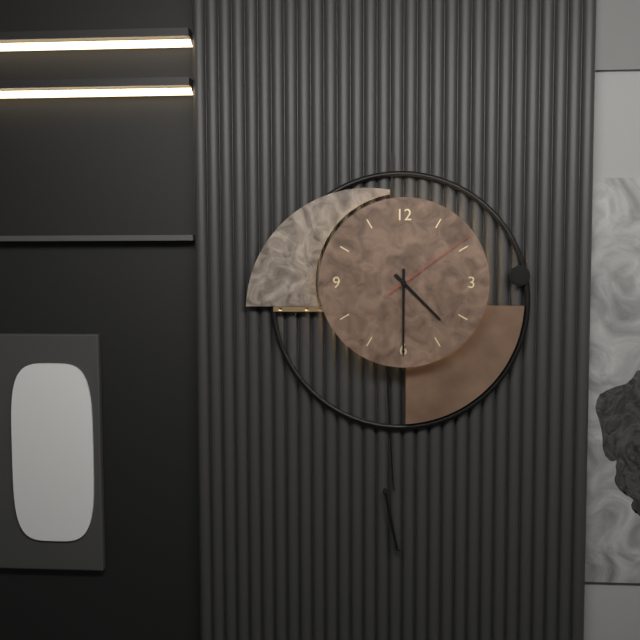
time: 4:30:09
